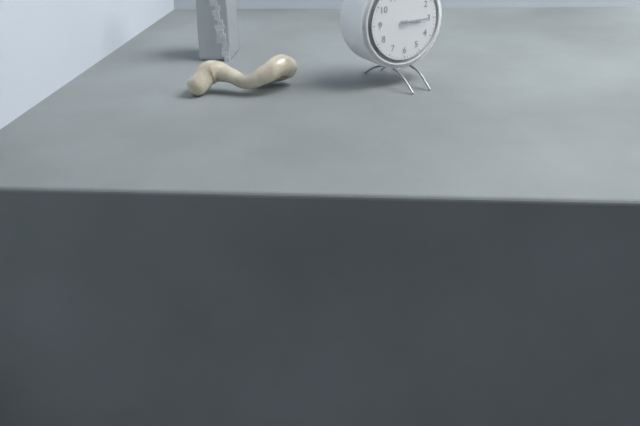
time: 3:15
